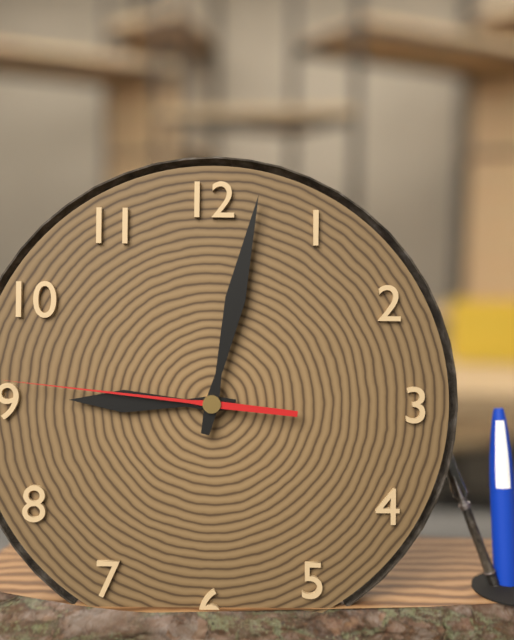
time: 9:02:46
